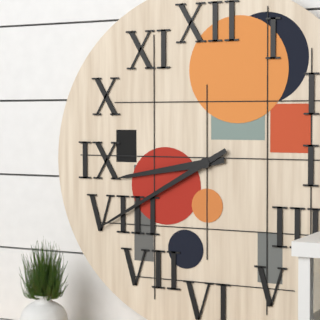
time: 8:40
